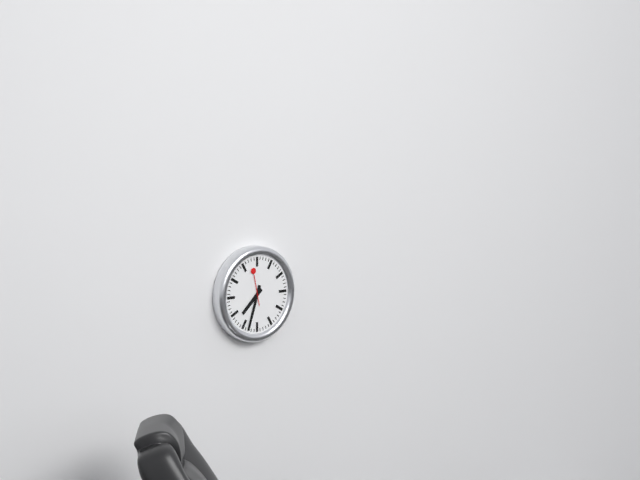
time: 7:33
